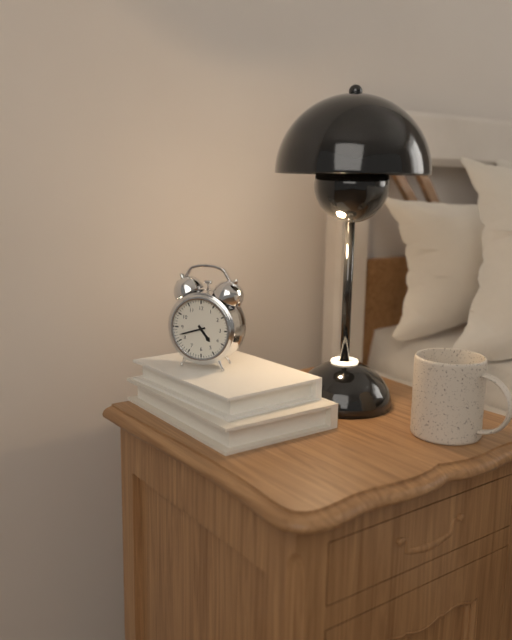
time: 4:42
